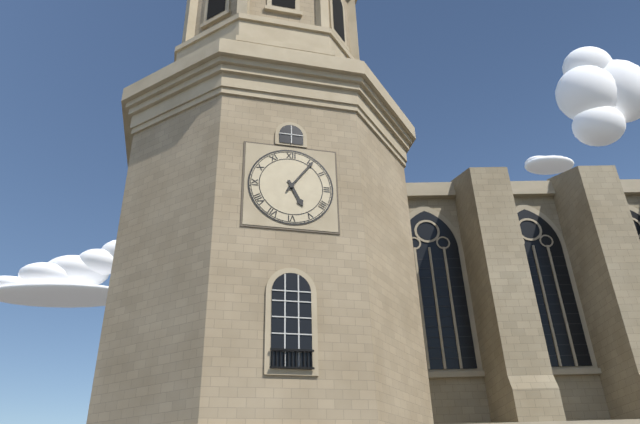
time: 5:06
